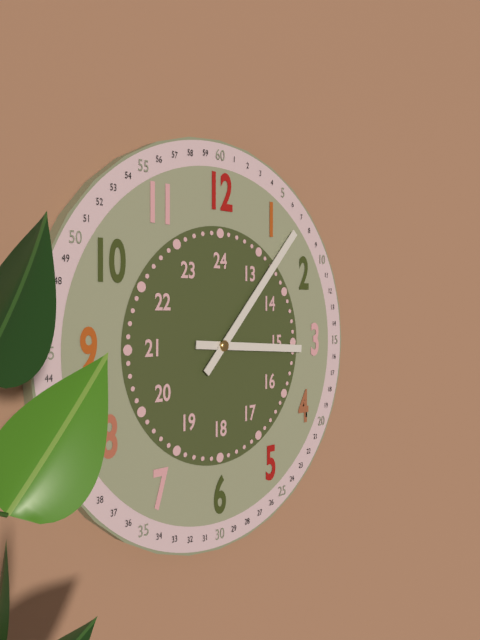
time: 3:07
